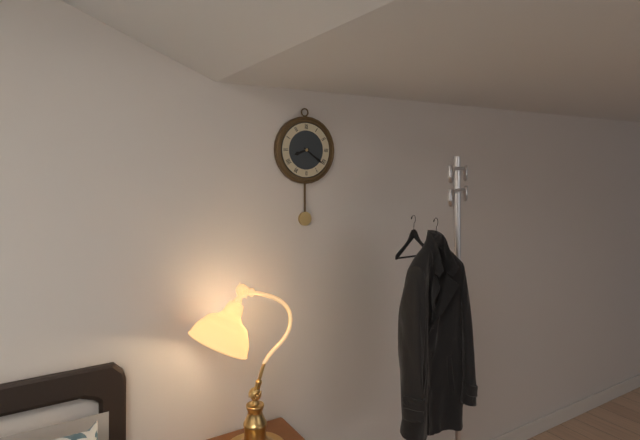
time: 8:21
